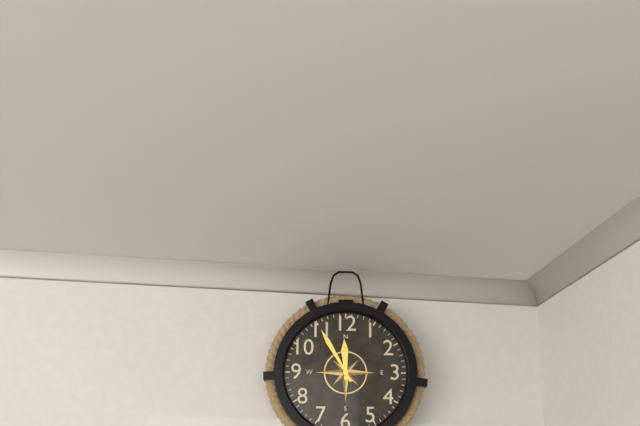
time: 11:55
